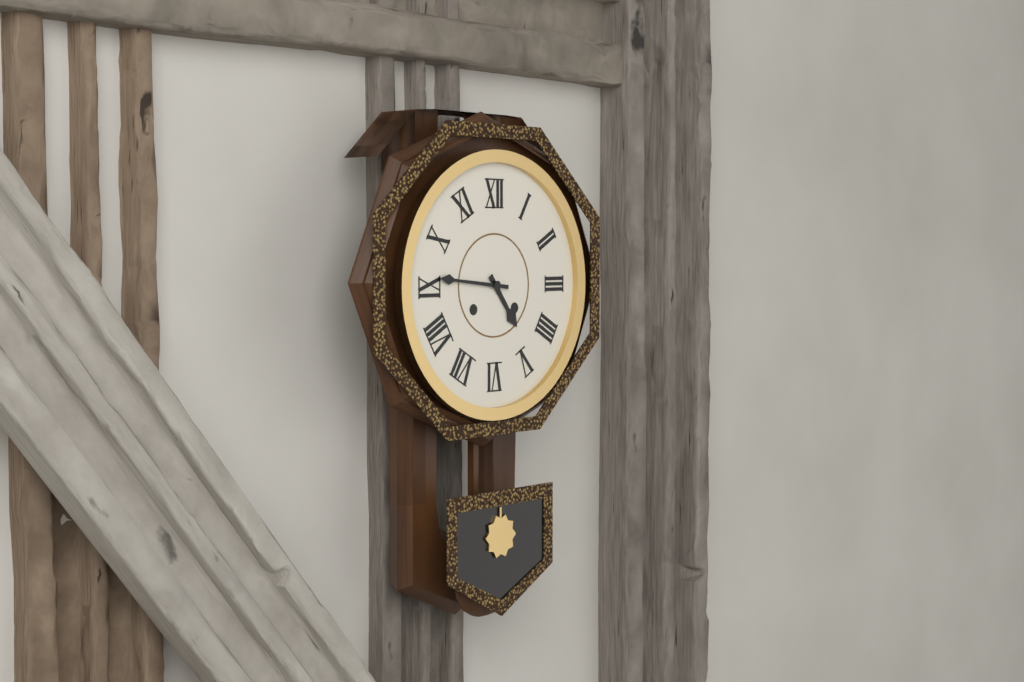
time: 4:46
